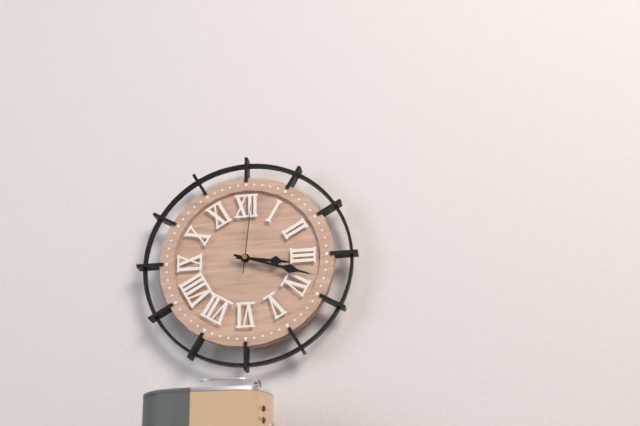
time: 3:18:01
